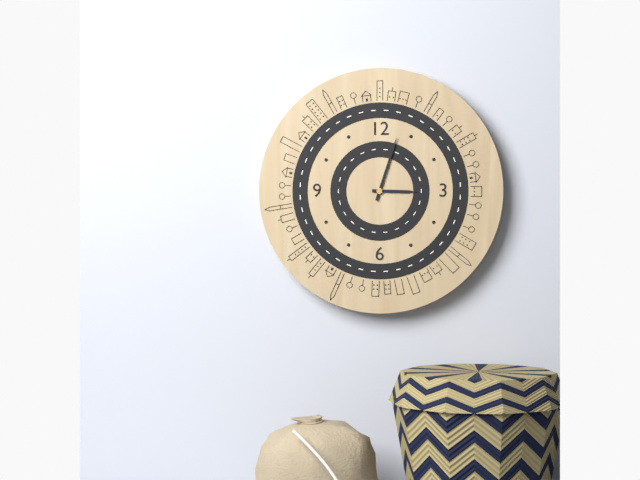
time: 3:03
